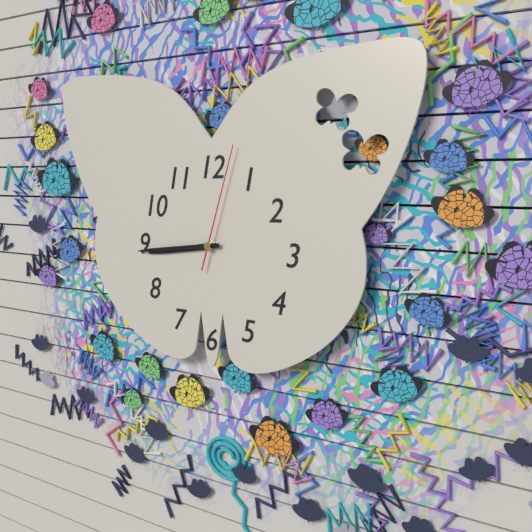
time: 8:44:03
